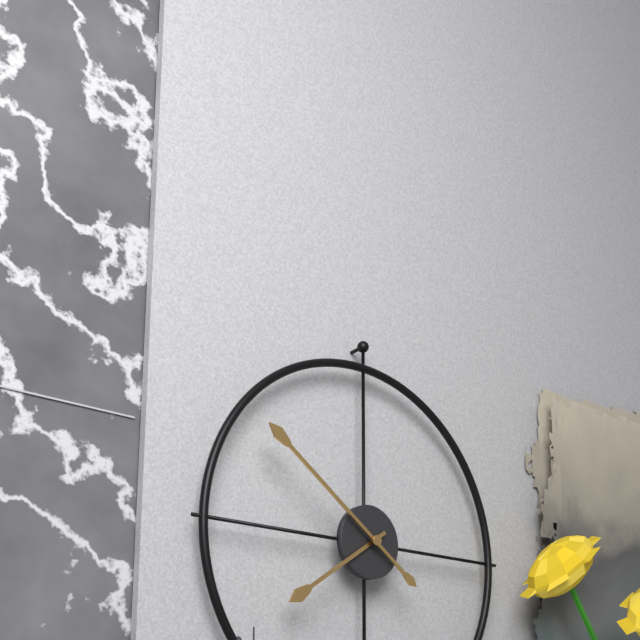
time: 7:51
